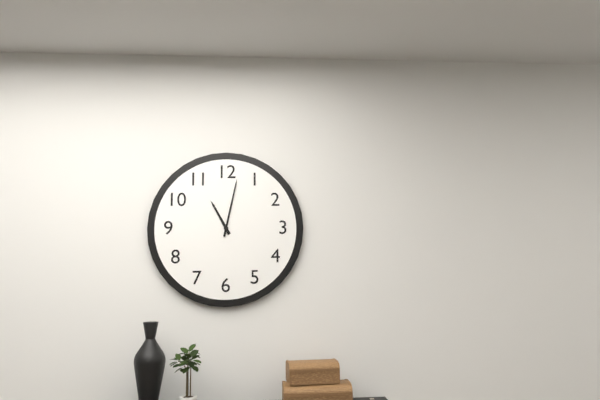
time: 11:02
